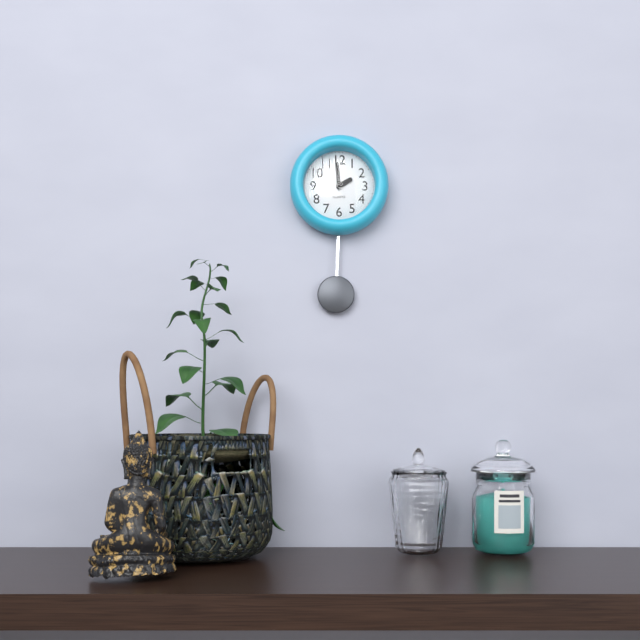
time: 1:59
